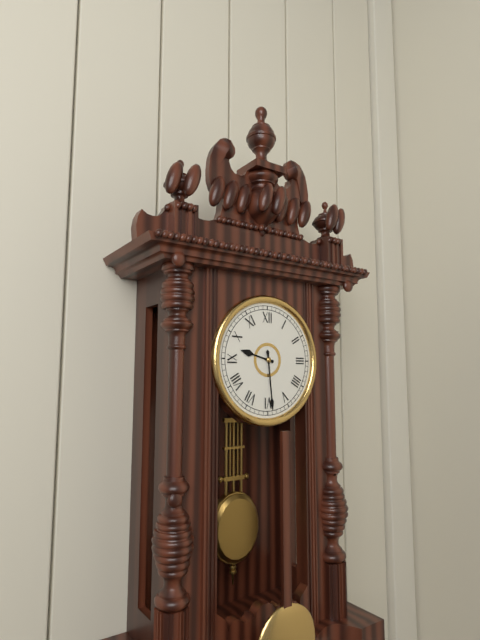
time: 9:29
